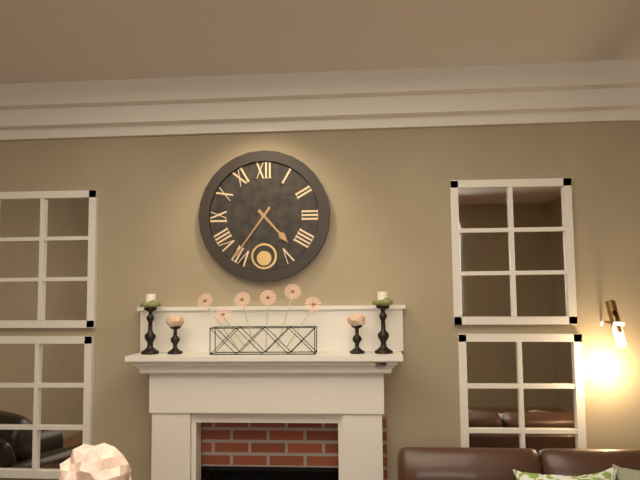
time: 4:36
